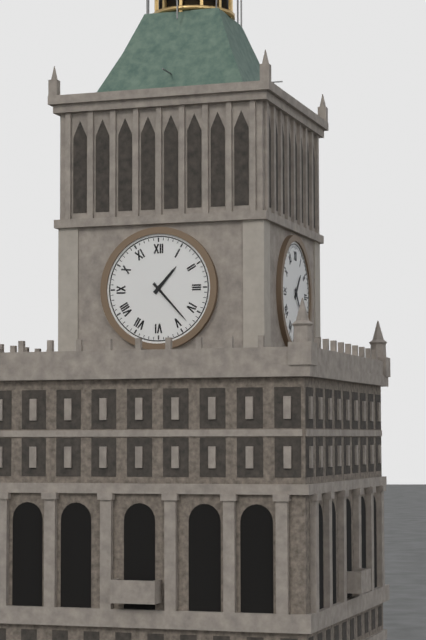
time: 1:23
